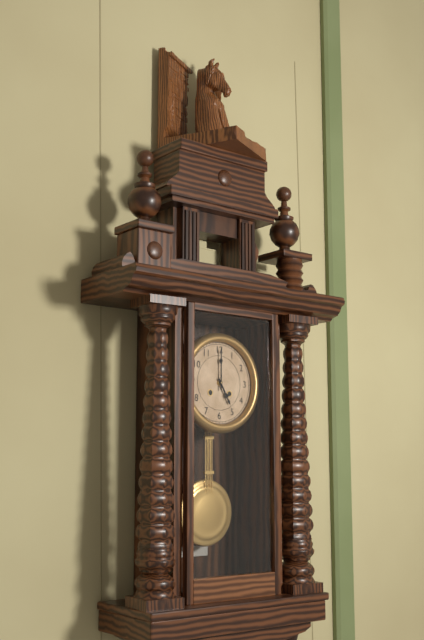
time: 5:00
